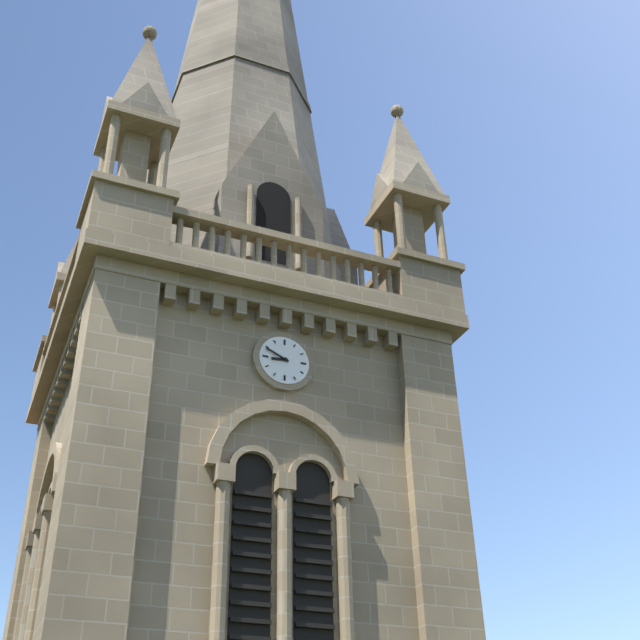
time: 8:49
